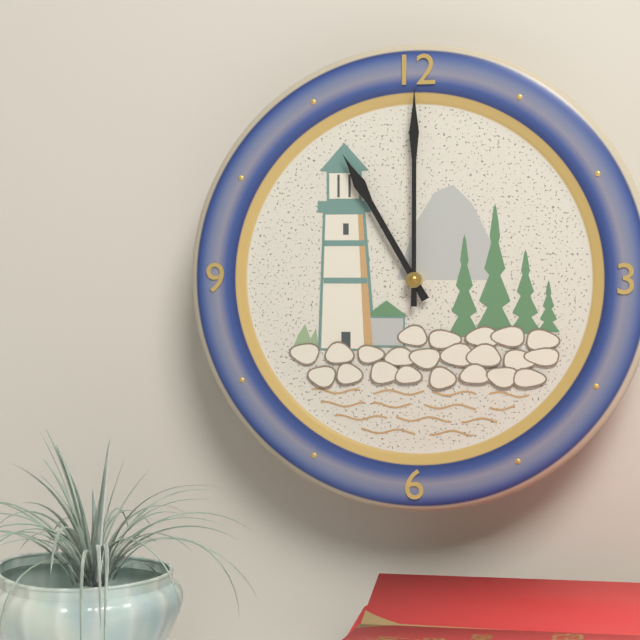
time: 11:00
